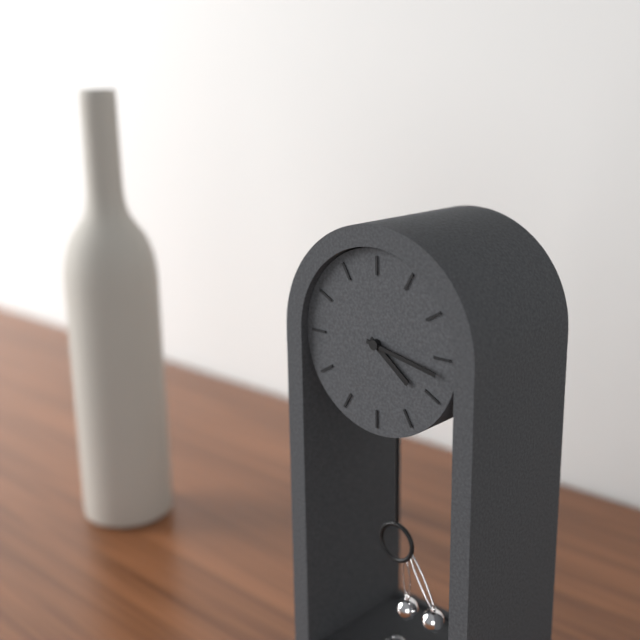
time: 4:17
